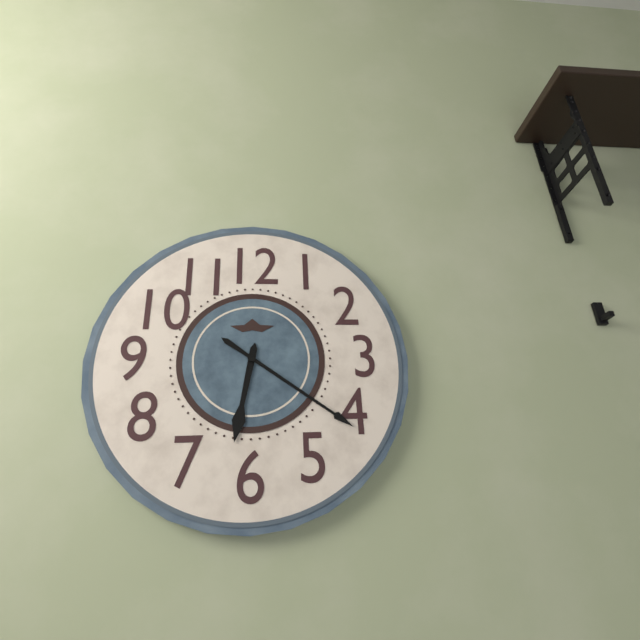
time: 6:21
